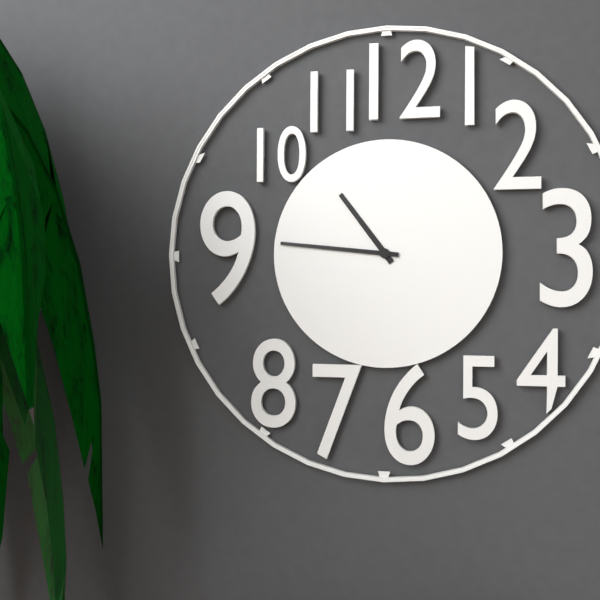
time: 10:46
